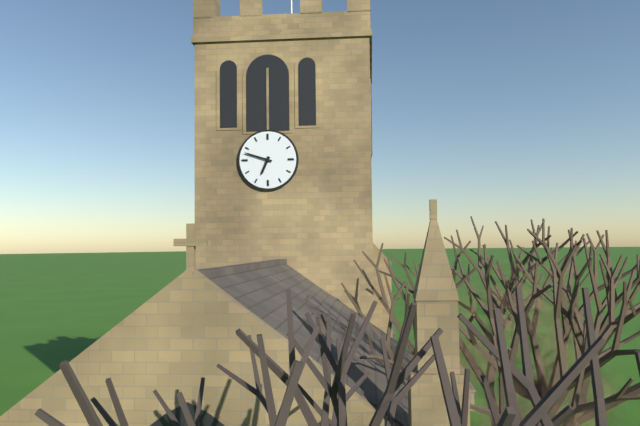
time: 6:48
